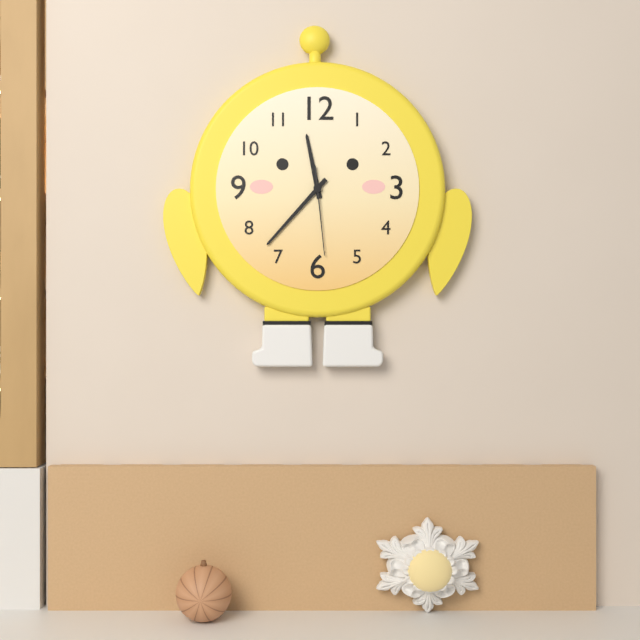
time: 11:37:29
